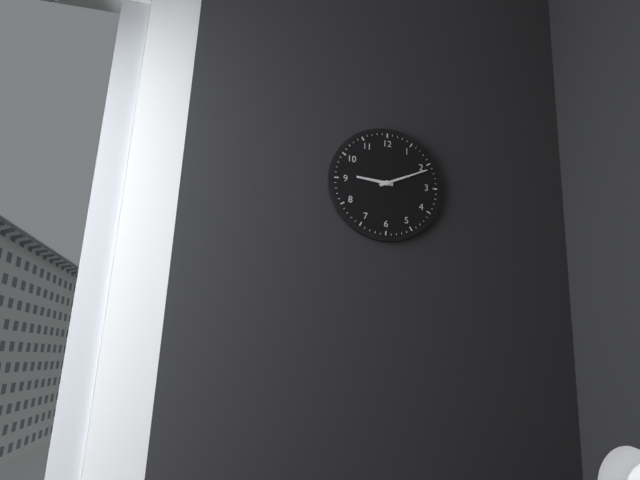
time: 9:11
